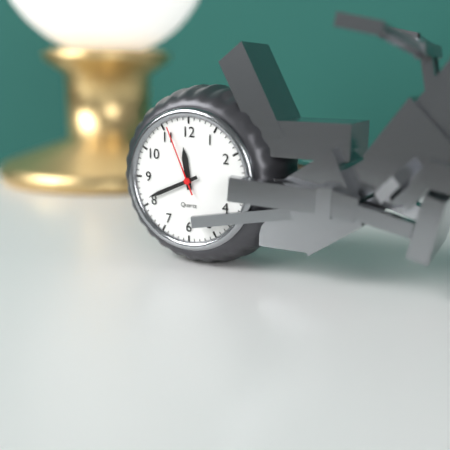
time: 11:41:56
